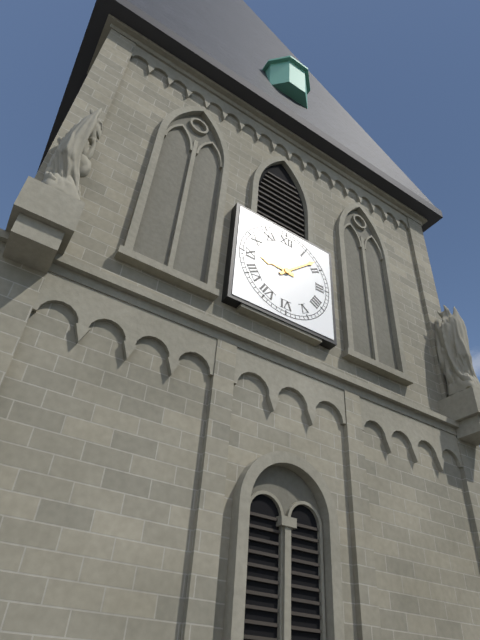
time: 9:08
